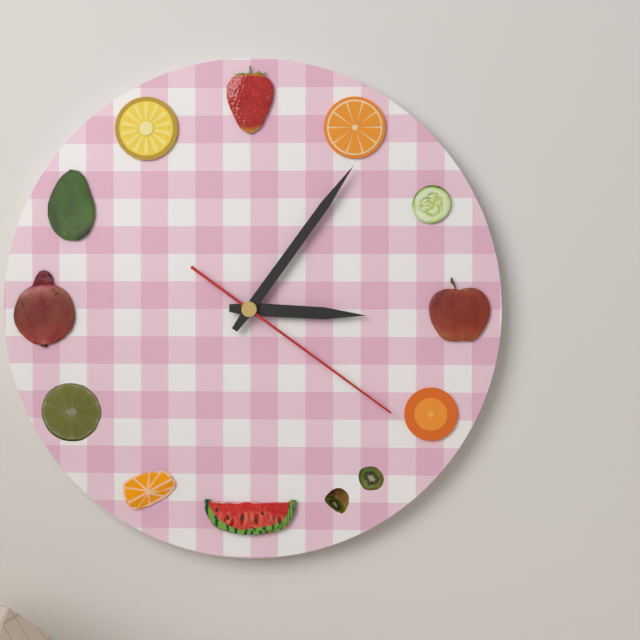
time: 3:06:21
